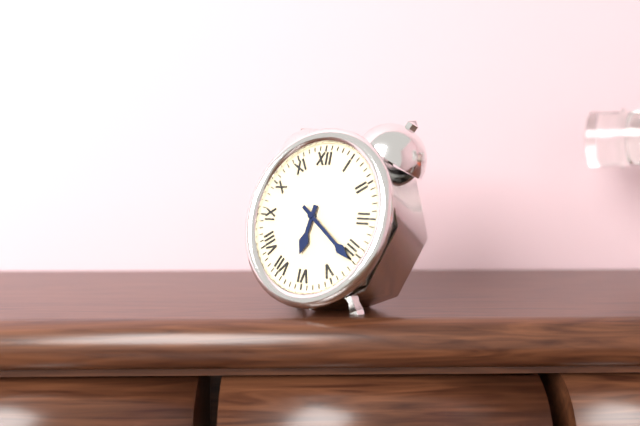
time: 6:21
